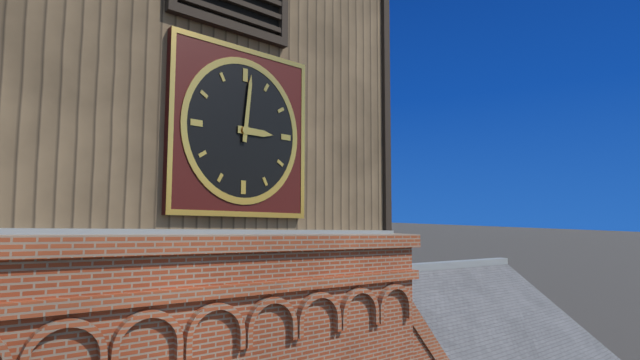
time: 3:01
